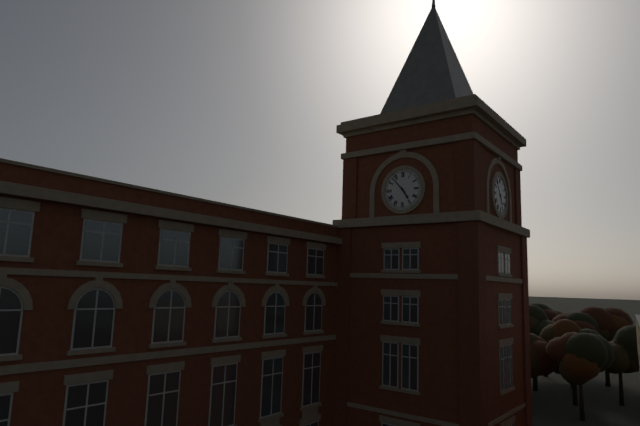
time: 4:53
